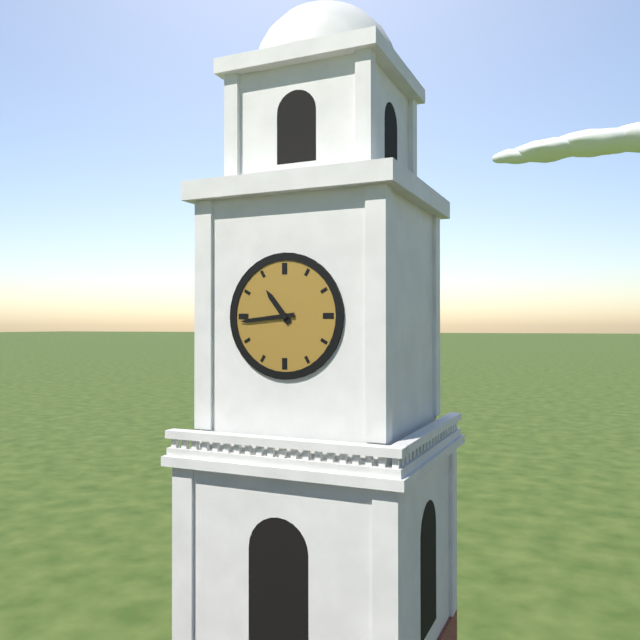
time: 10:44
